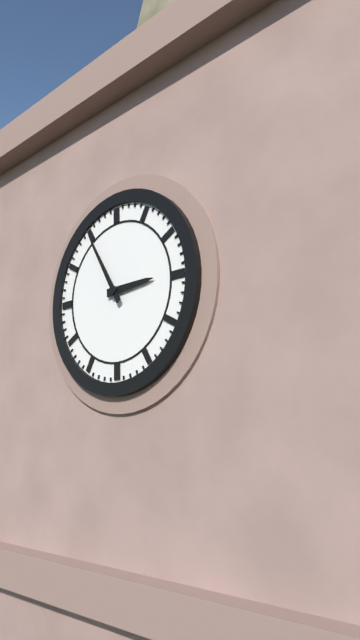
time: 2:55
